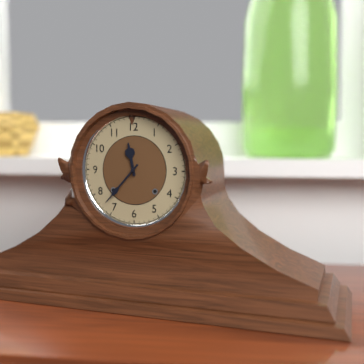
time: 11:37
